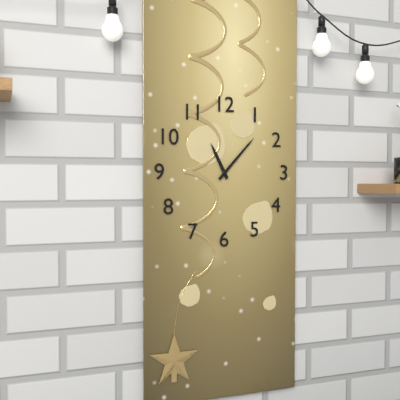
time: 11:07
